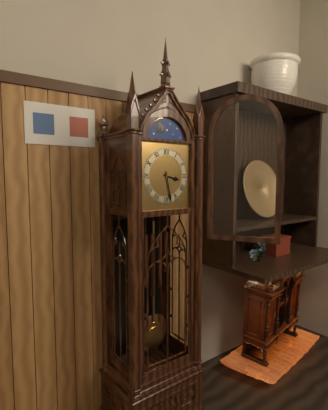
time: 3:28
